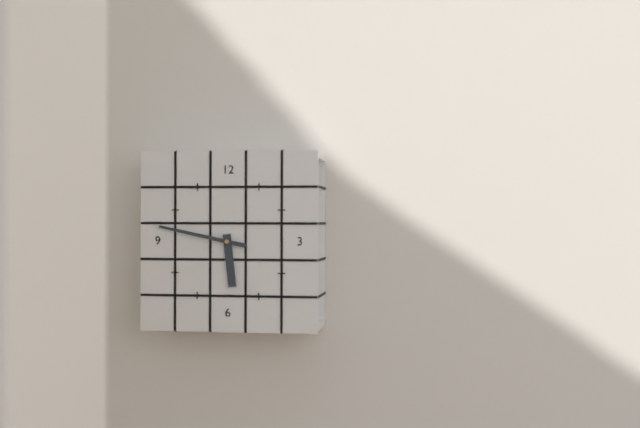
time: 5:47
